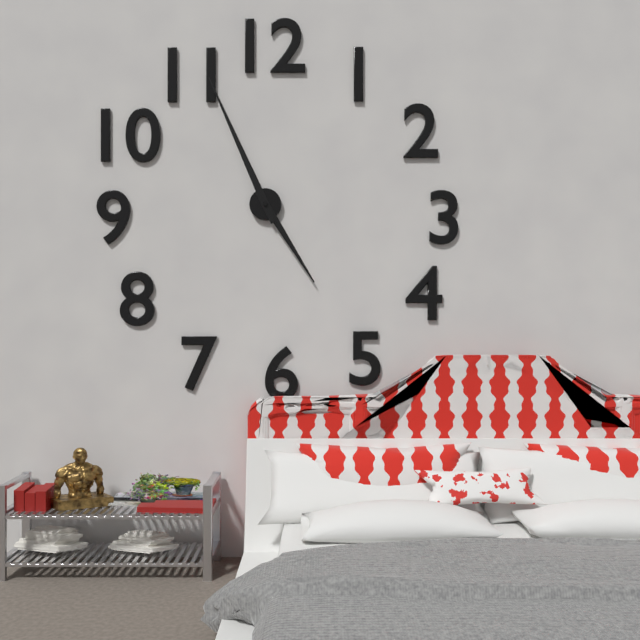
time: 4:56
